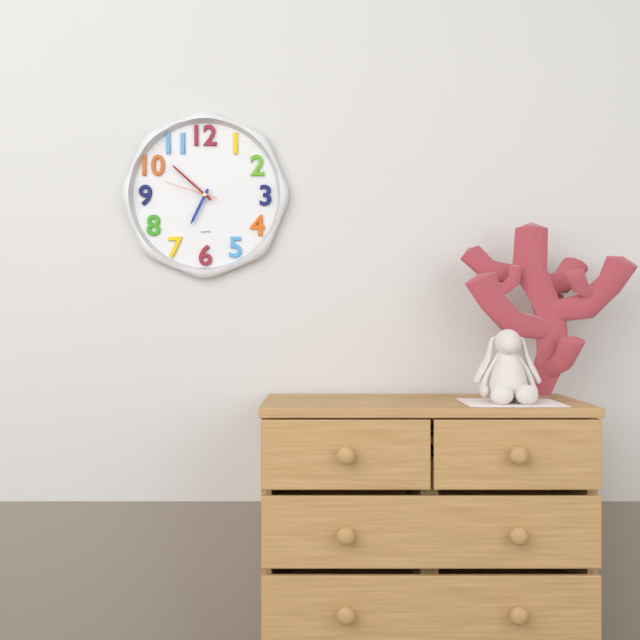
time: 6:52:48
